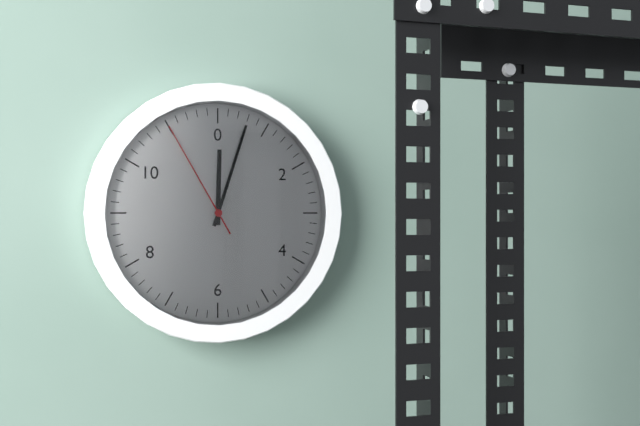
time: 12:03:55
